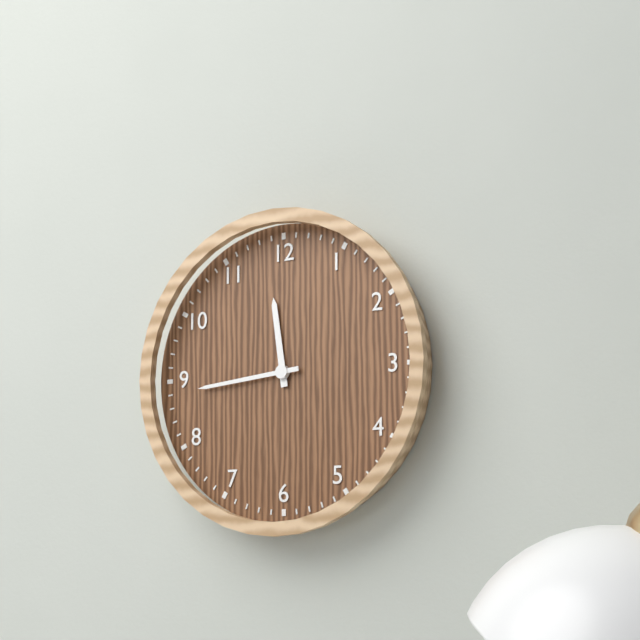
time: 11:44
